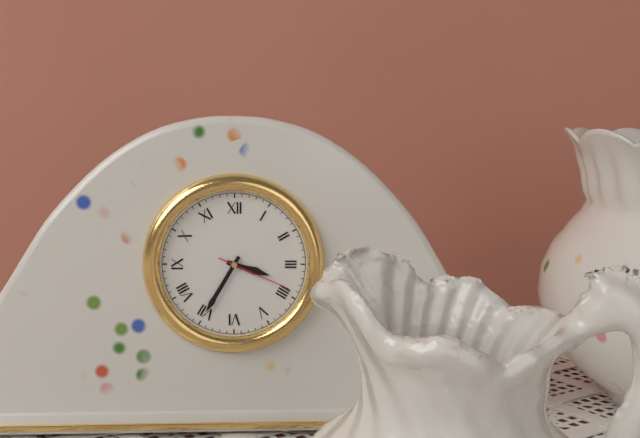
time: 3:35:19
